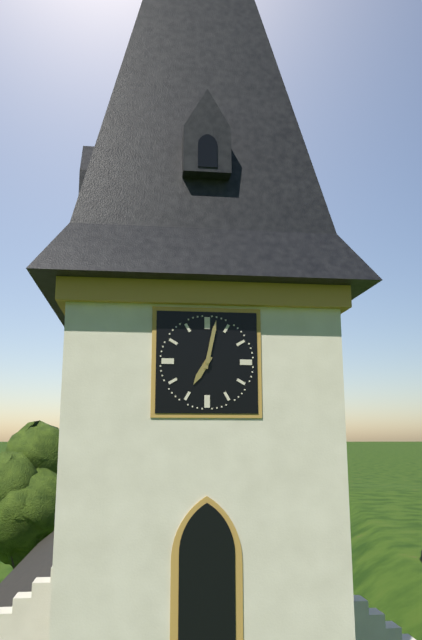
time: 7:02
